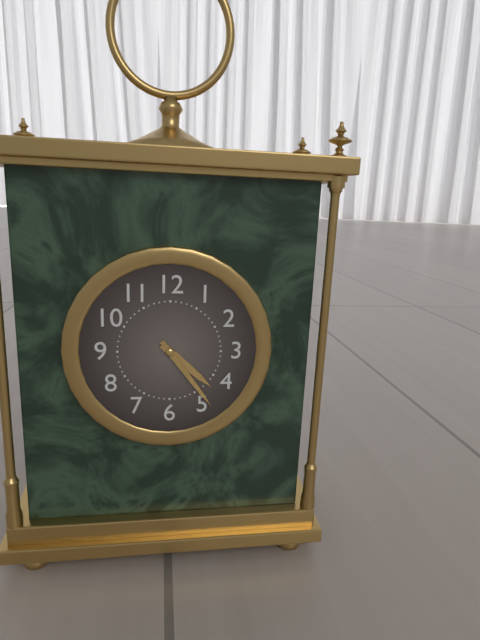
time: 4:24
